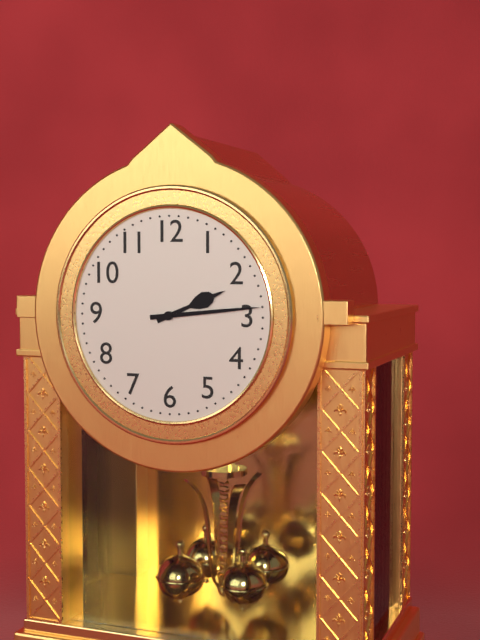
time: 2:14
